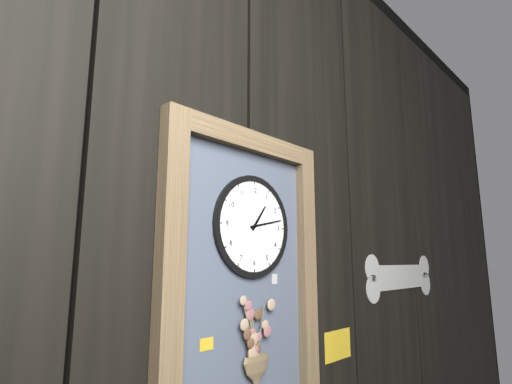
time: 1:13
